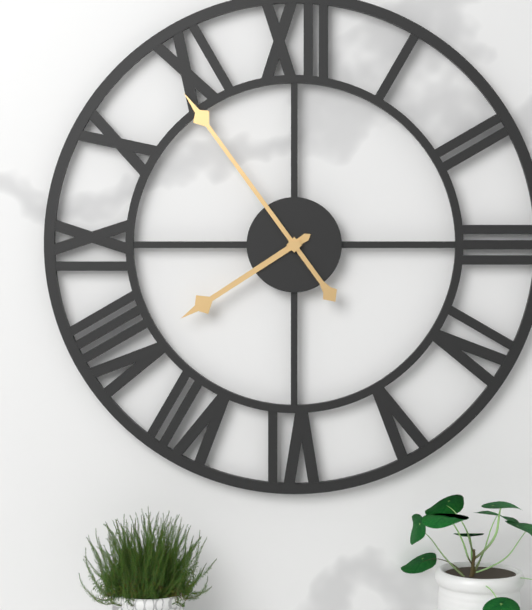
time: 7:54
